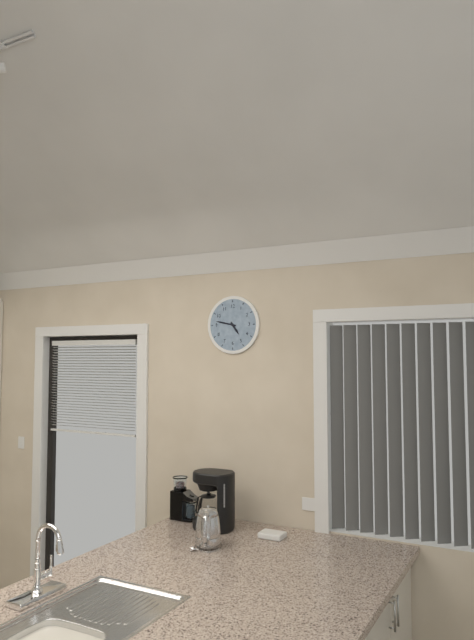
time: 4:47
